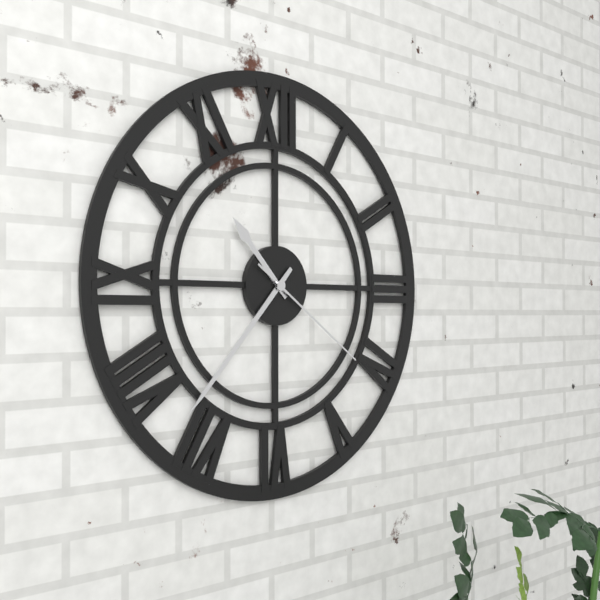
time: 10:37:21
